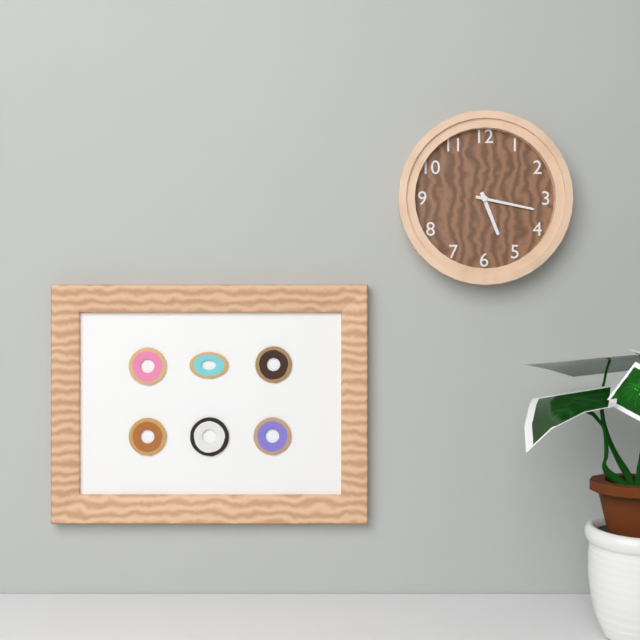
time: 5:17
